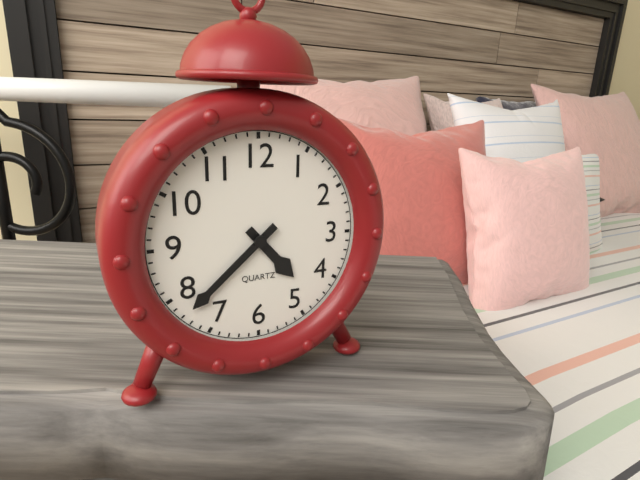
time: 4:38
